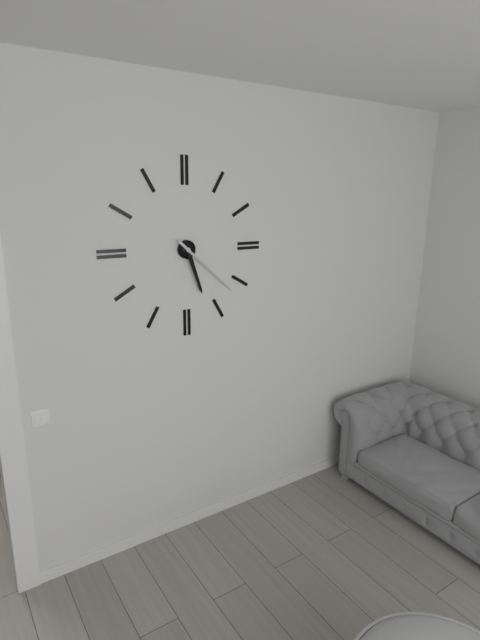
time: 5:22
